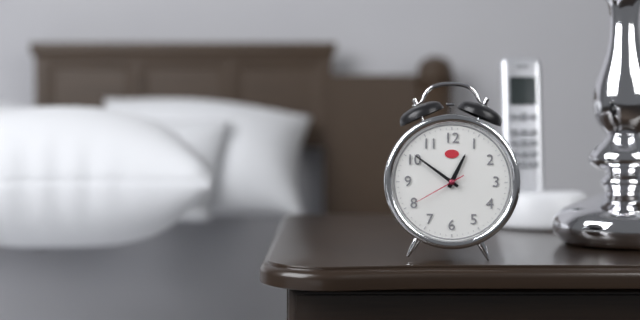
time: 12:51:40
